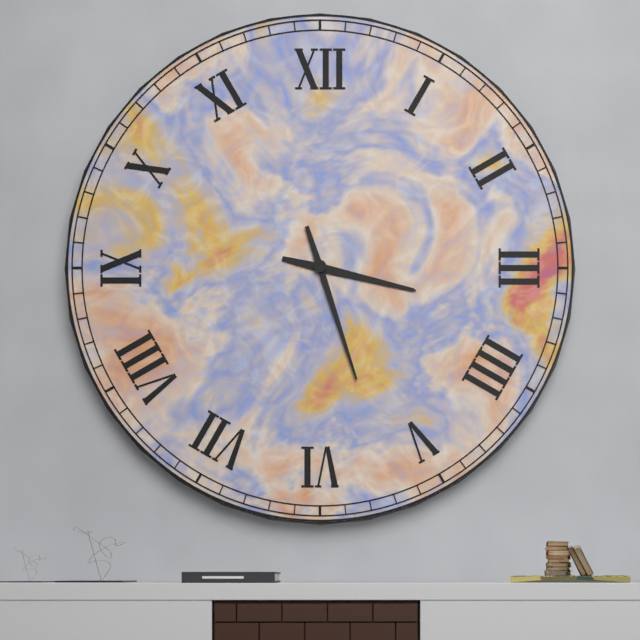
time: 3:27
